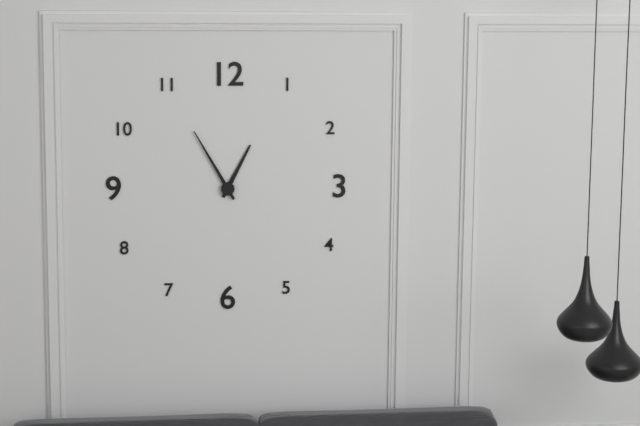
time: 12:55
